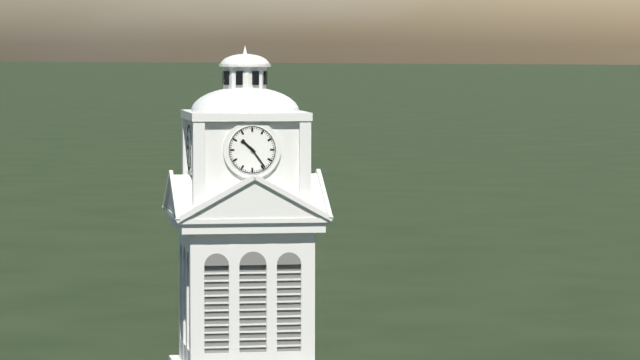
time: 10:24
